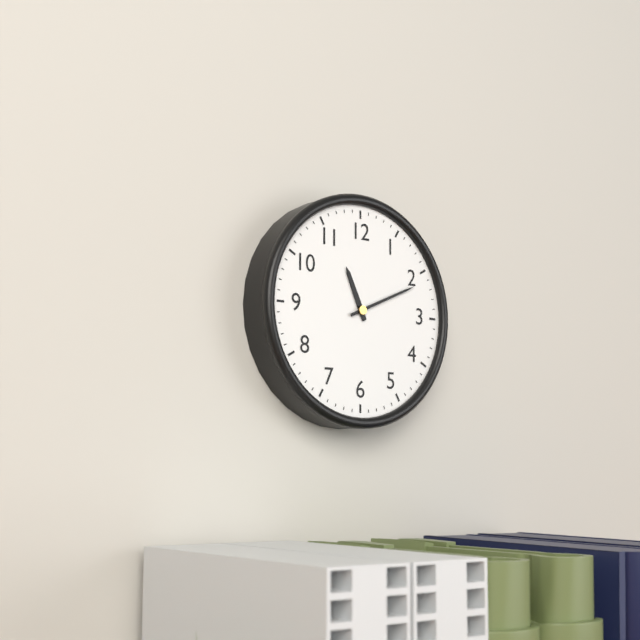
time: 11:11
